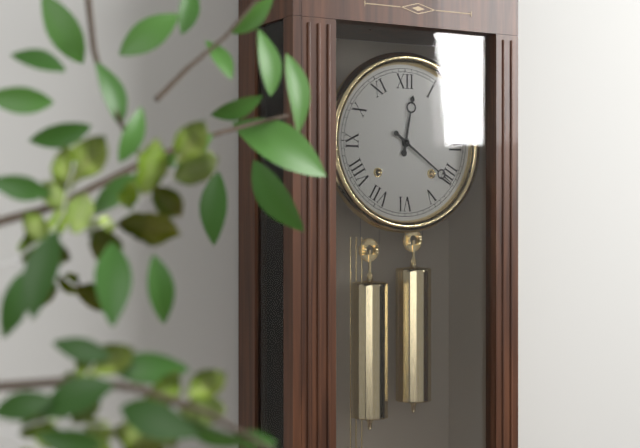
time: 12:21
